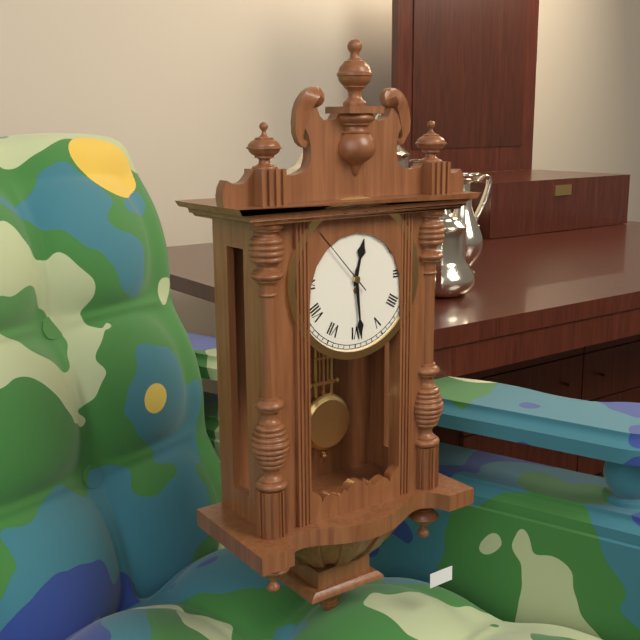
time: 12:29:53
